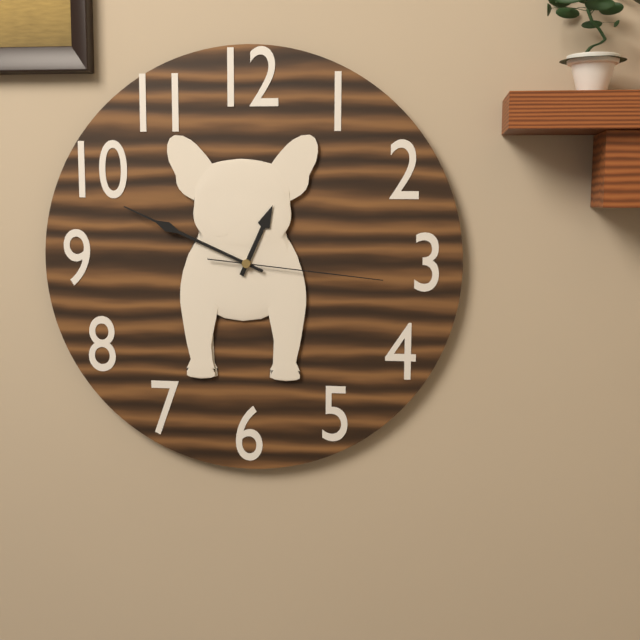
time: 12:49:16
